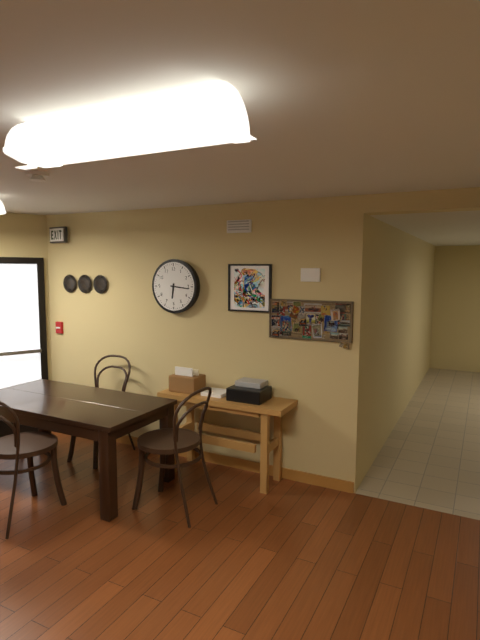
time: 6:16
